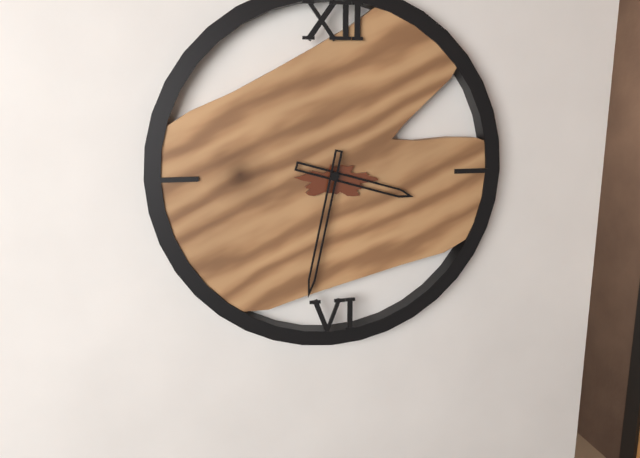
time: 3:32
